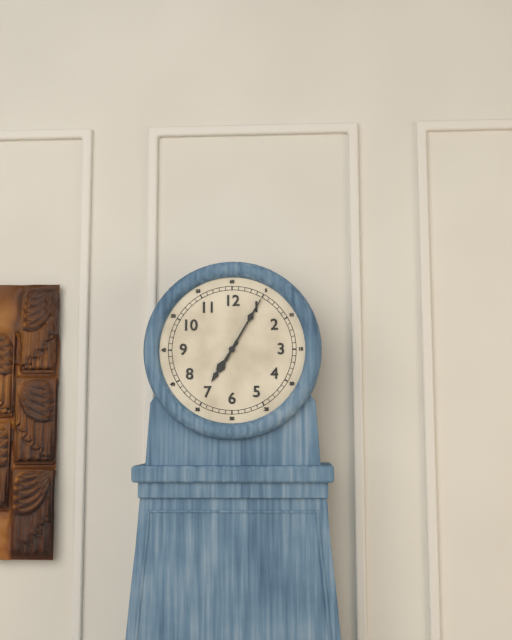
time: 7:05
